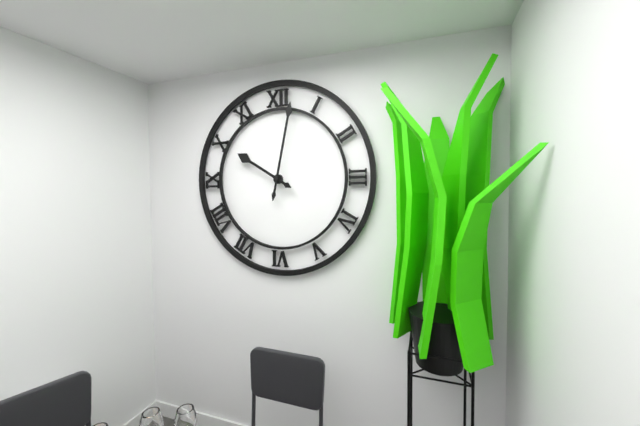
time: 10:02
